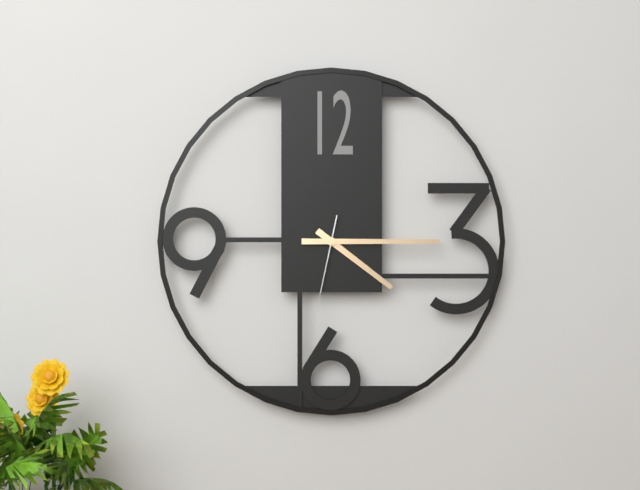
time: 4:15:32
